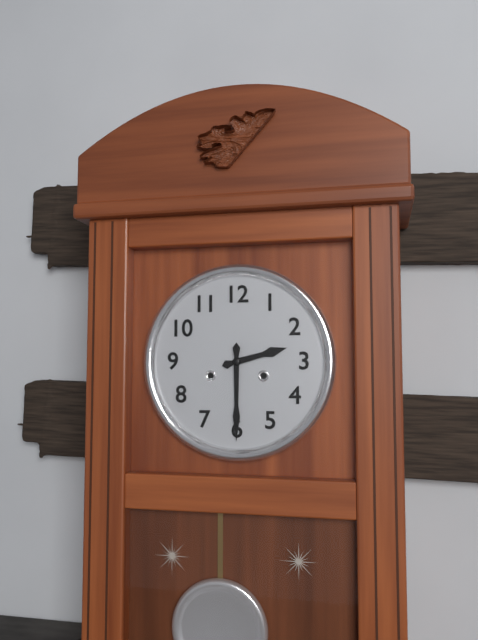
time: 2:30
